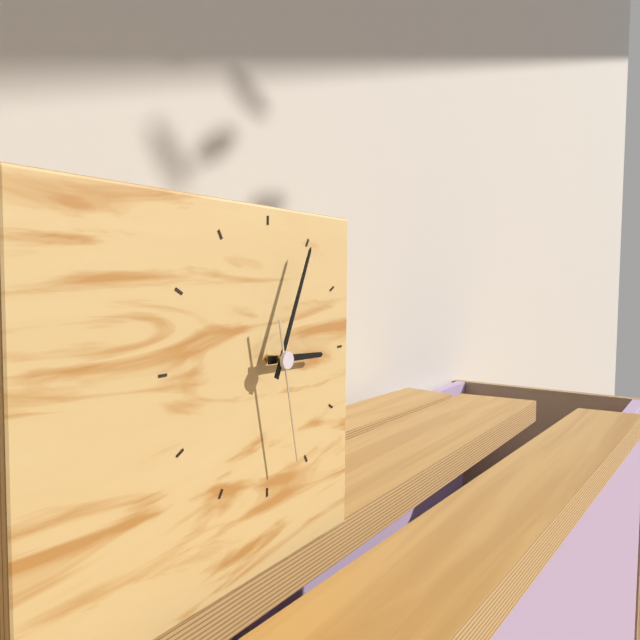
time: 3:04:28
